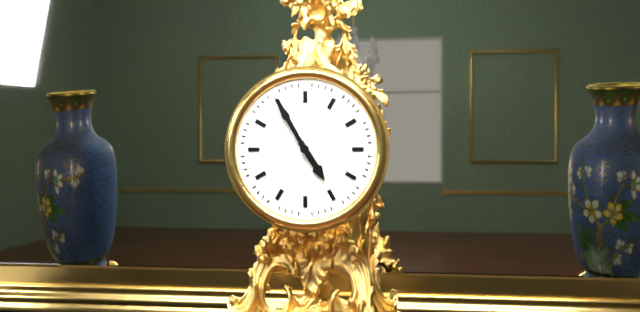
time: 4:55
